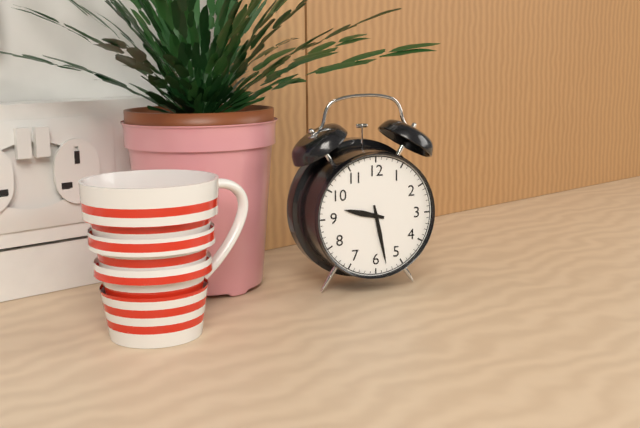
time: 9:28
